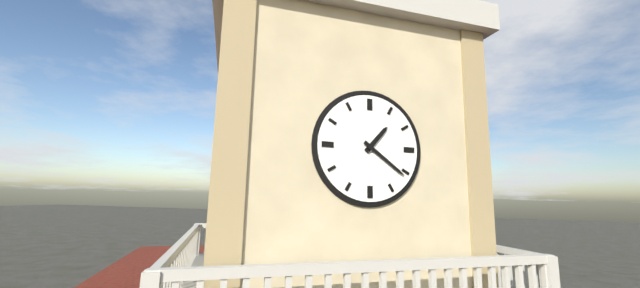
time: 1:21
